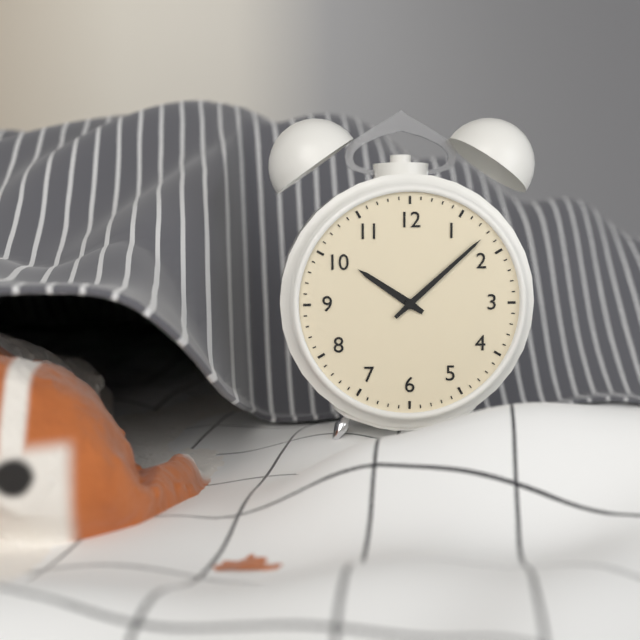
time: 10:08
